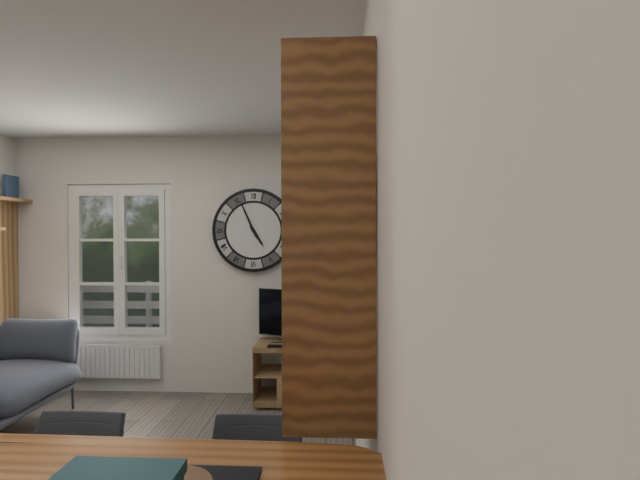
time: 4:56
